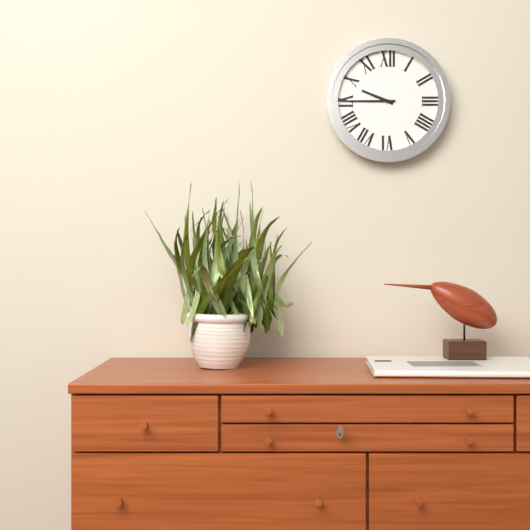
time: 9:45
